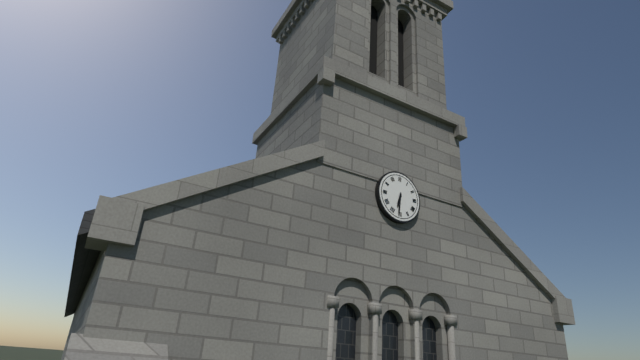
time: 6:31
